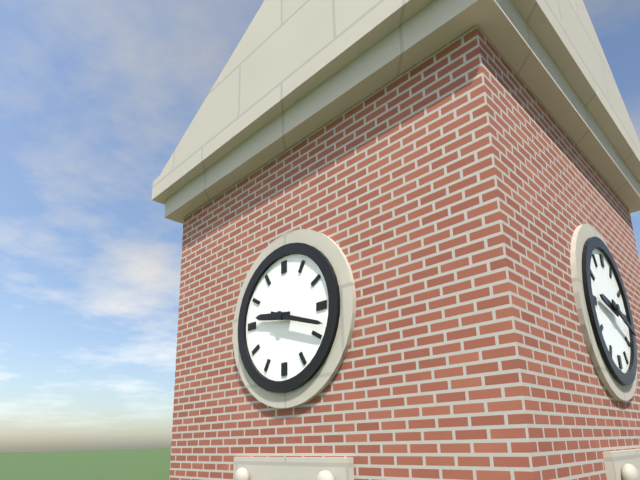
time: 9:18
